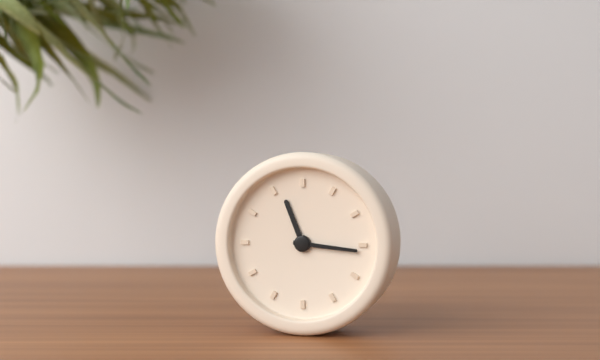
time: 11:16
